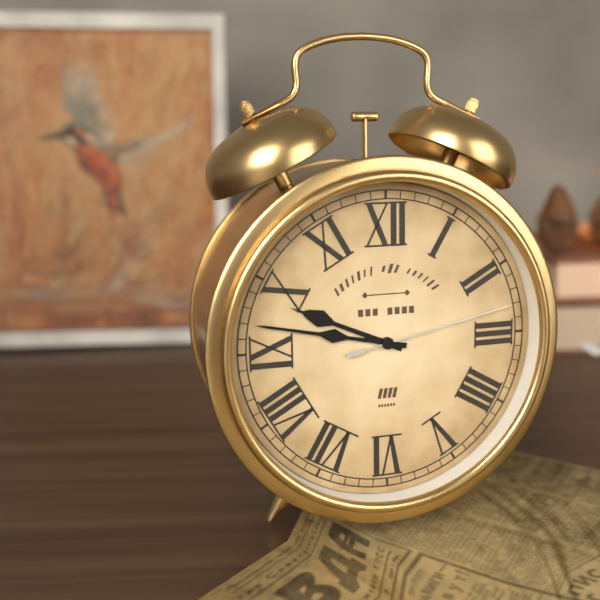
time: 9:47:13
